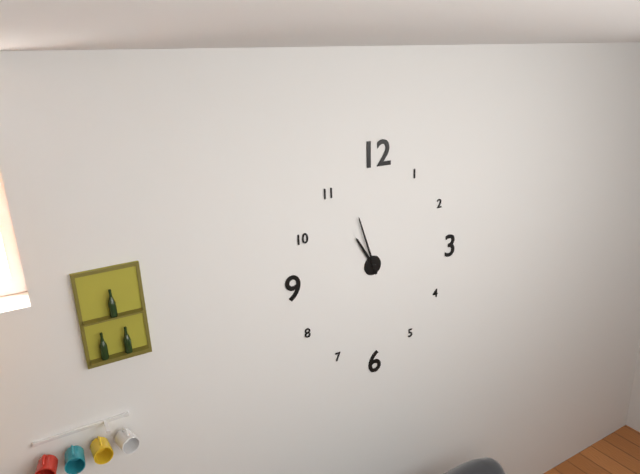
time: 10:57
